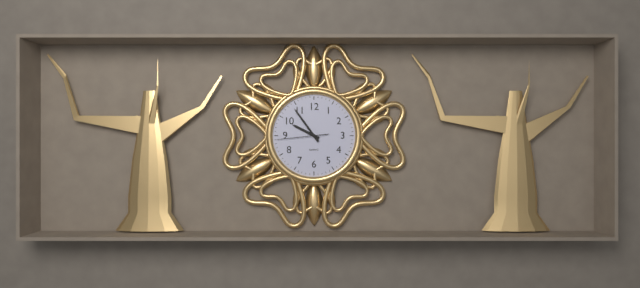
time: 9:54
